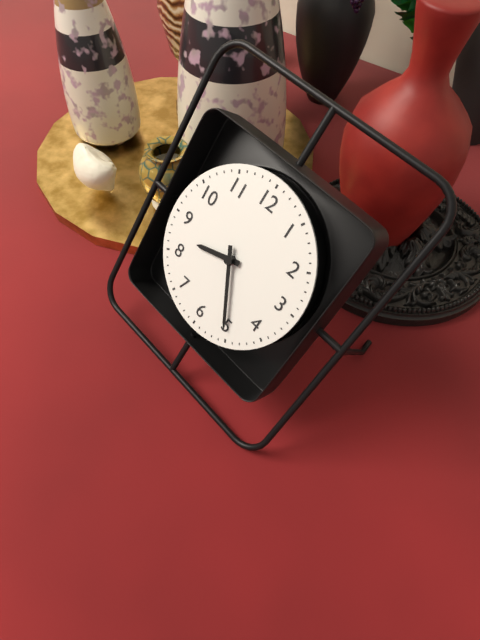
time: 8:25
